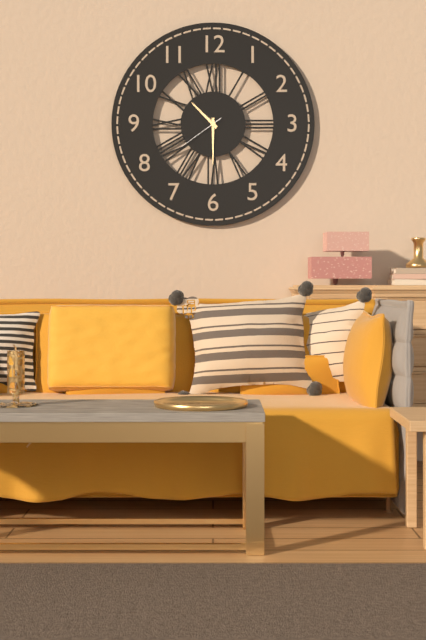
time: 10:30
